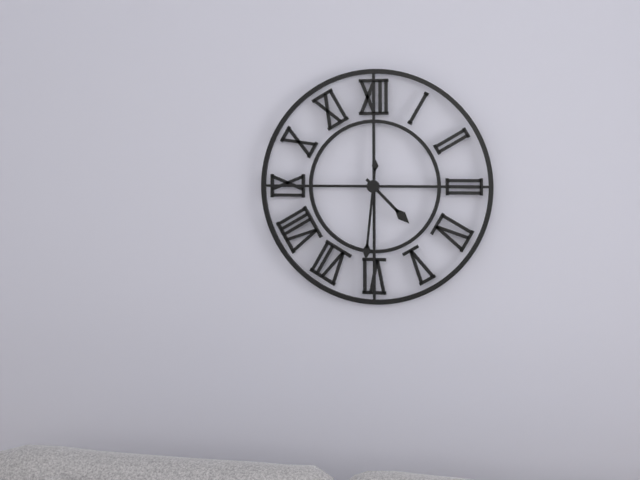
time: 4:31
